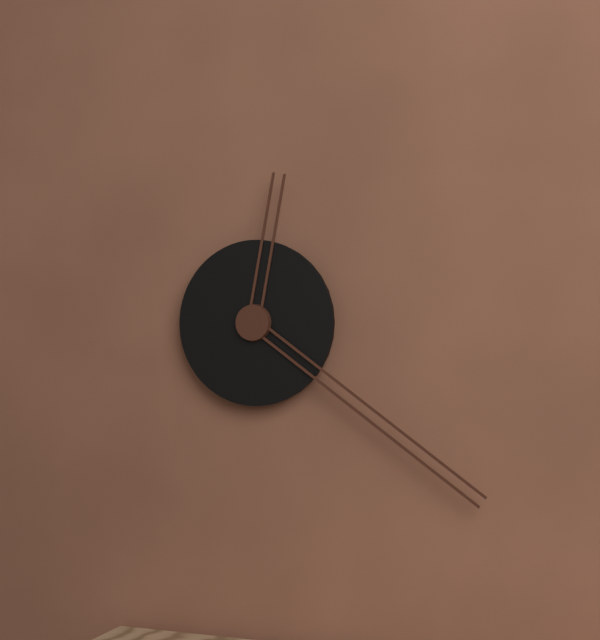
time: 12:21
